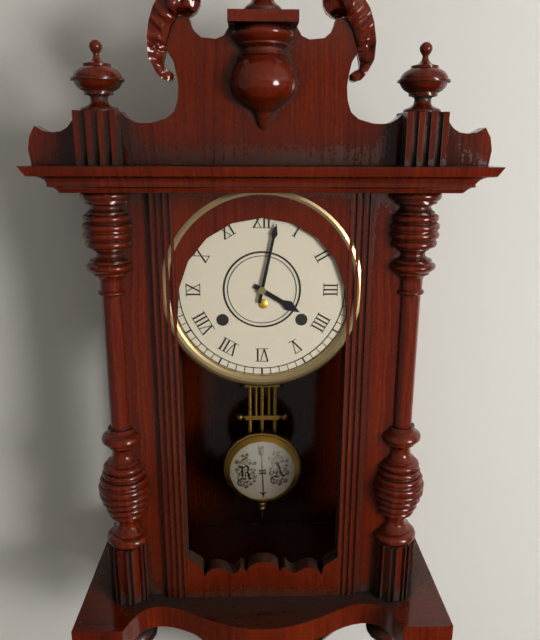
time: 4:02
